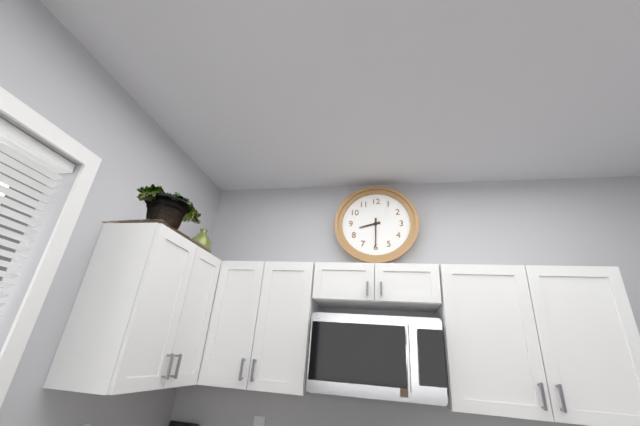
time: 8:30
